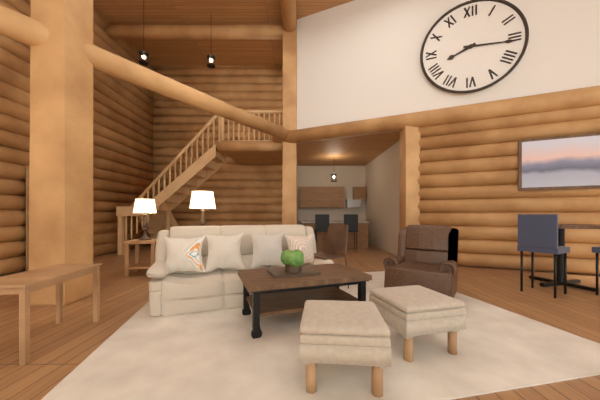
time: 8:16
